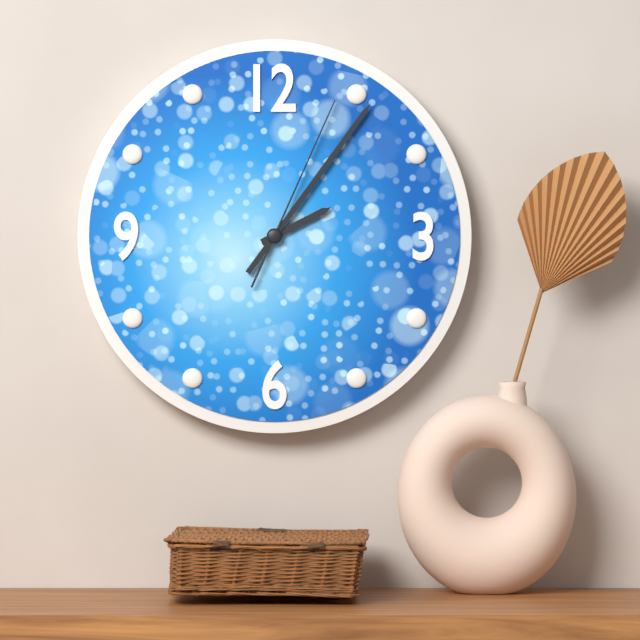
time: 2:06:04
